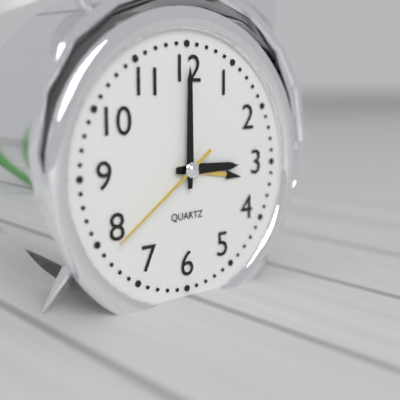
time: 3:00:39
